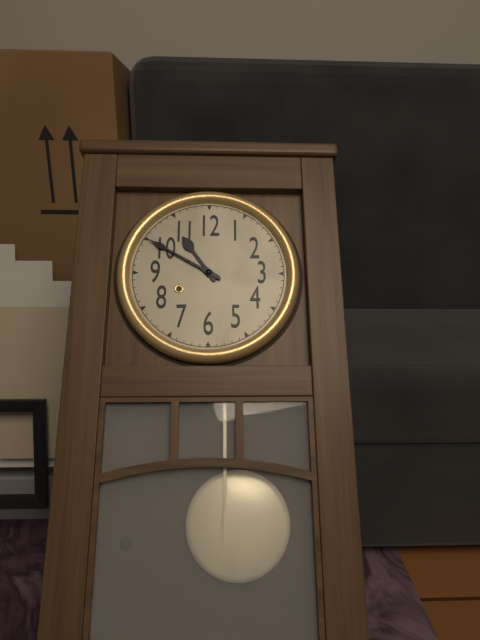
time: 10:50
